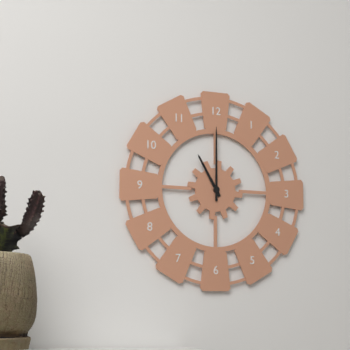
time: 11:00
